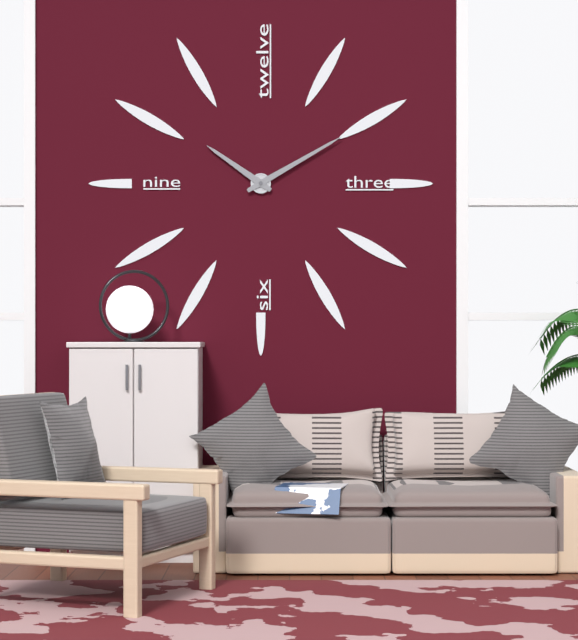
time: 10:10
